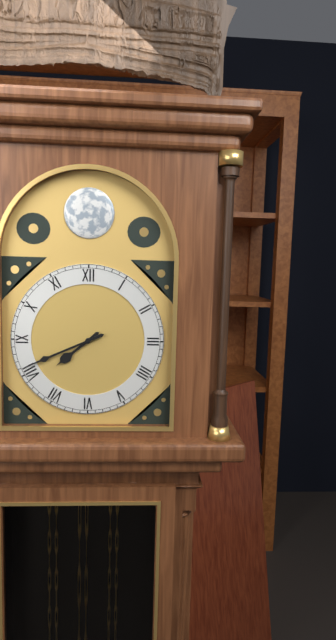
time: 7:41
